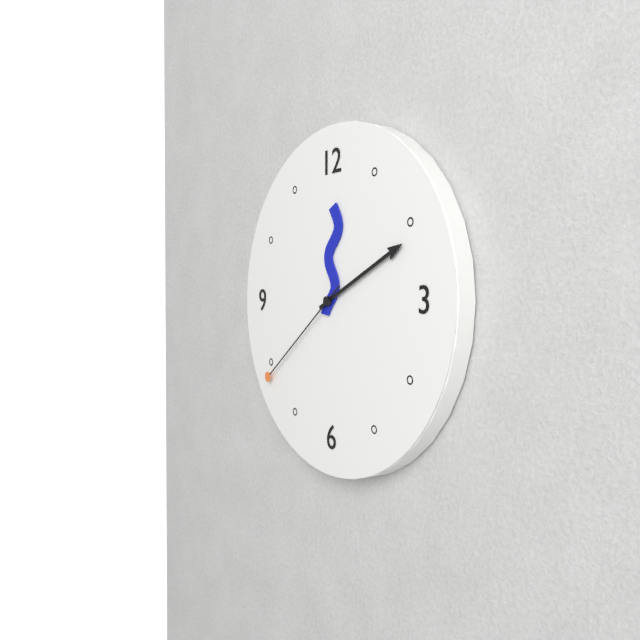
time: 12:11:39
